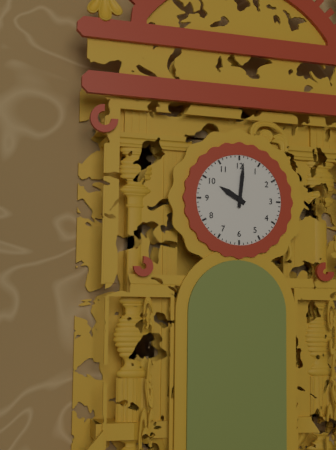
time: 10:01
